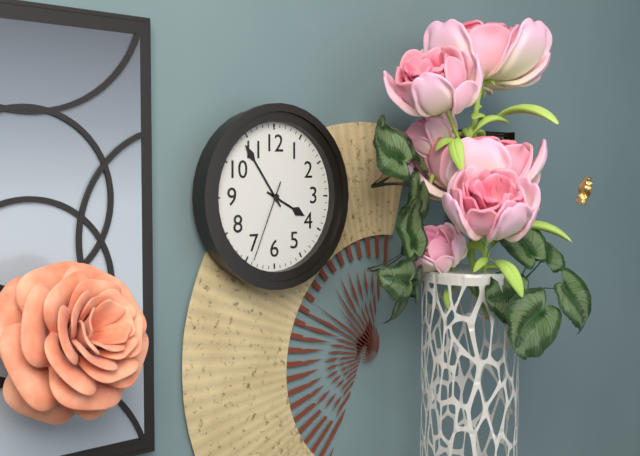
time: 3:54:34
